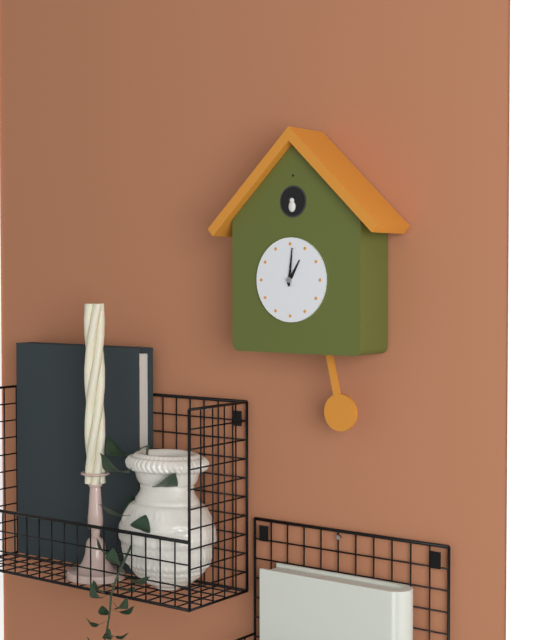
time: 1:01
